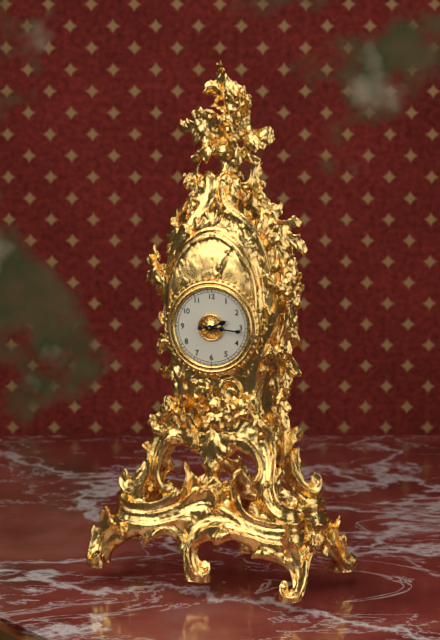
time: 2:16
